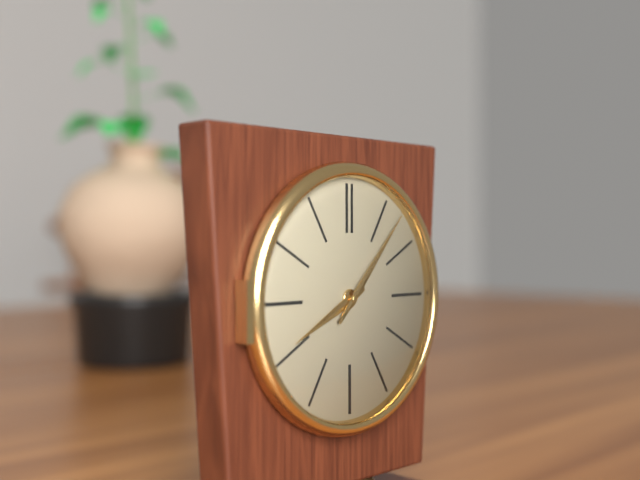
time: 8:07
